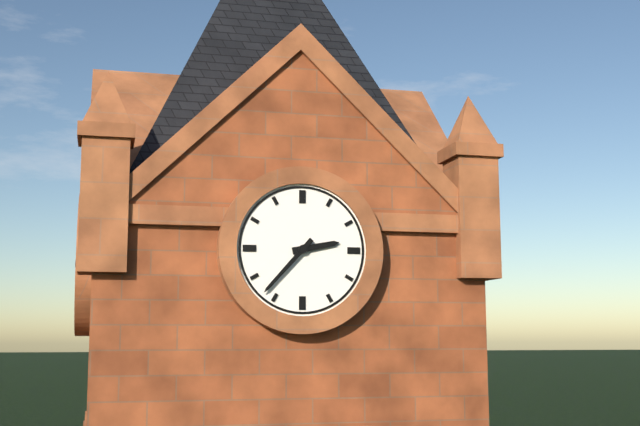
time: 2:37
